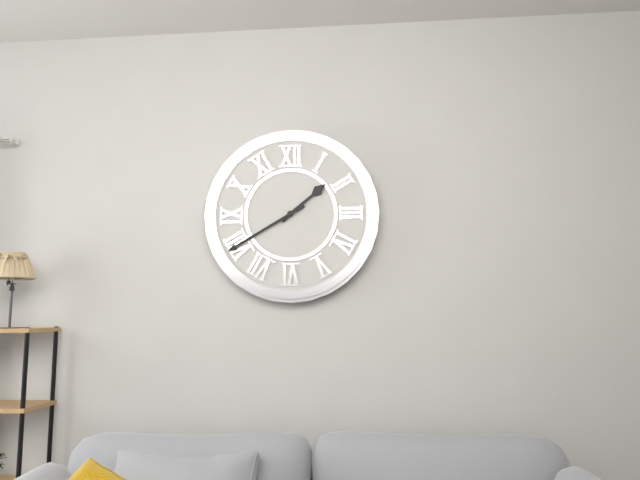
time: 1:40
